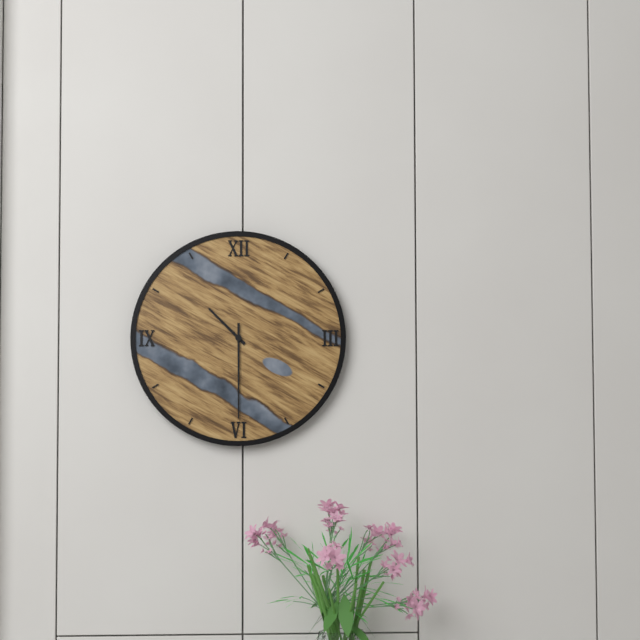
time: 10:30
